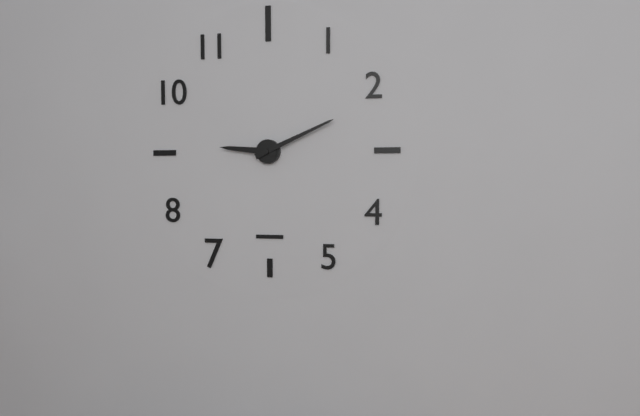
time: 9:11
